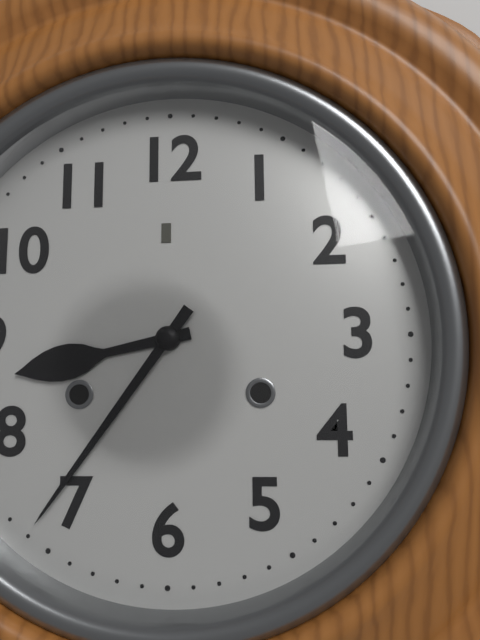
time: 8:36
